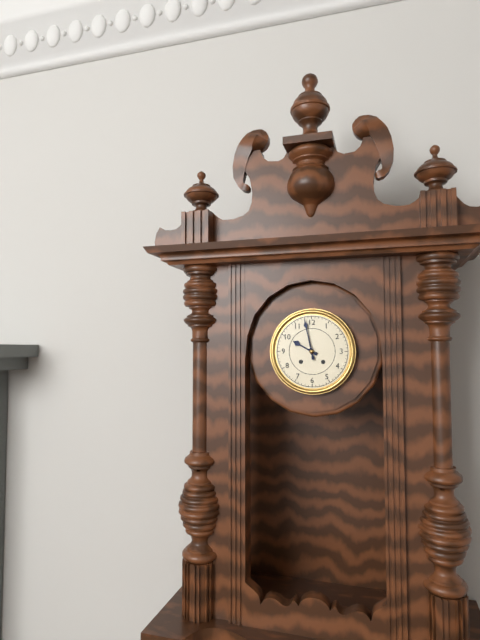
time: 9:58
